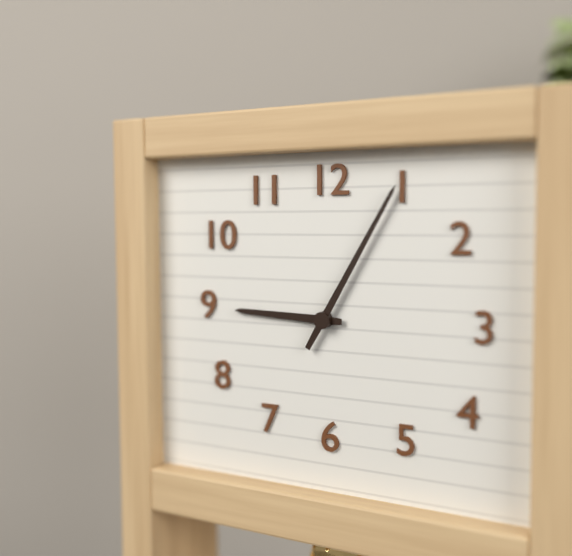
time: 9:05
